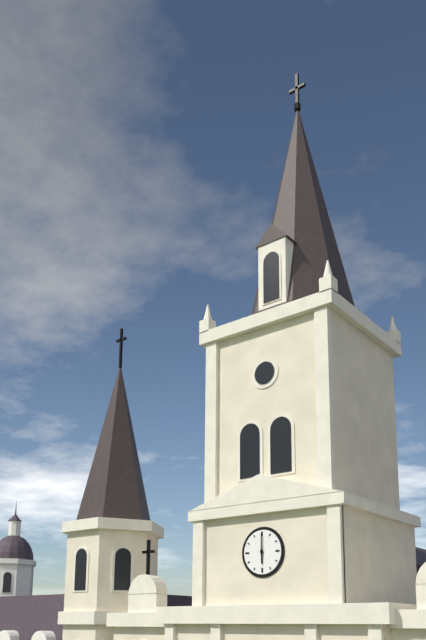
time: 6:00
